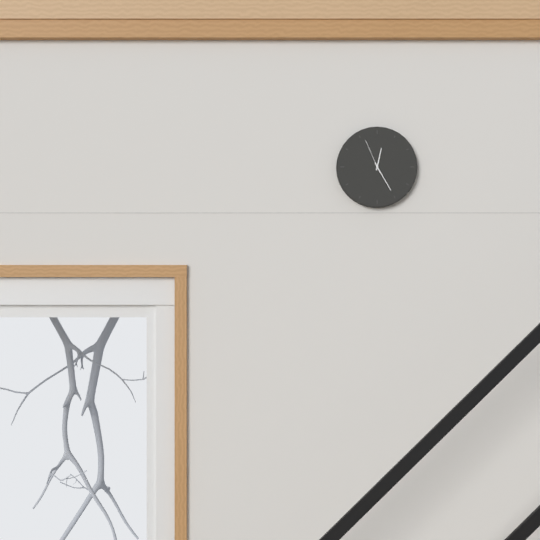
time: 12:25
